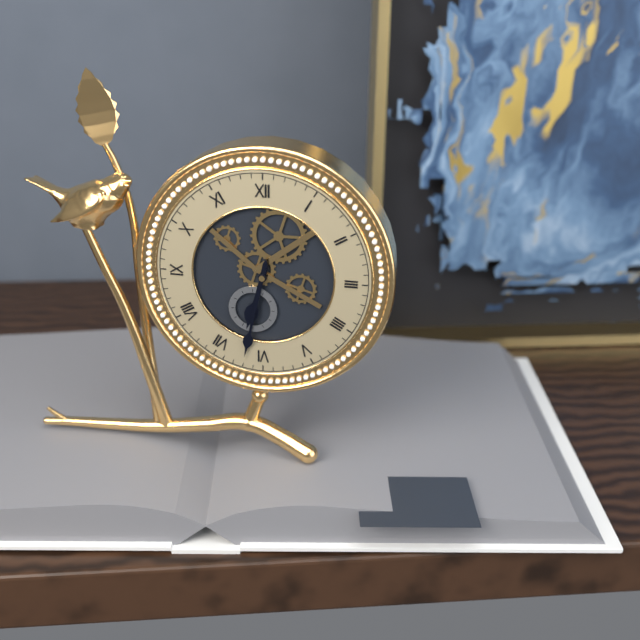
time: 6:32
